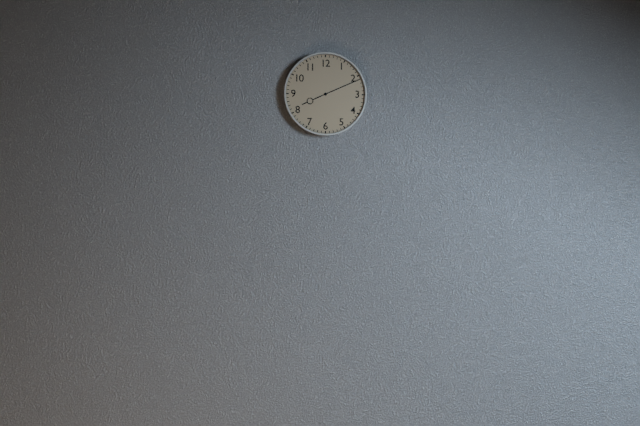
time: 8:11
